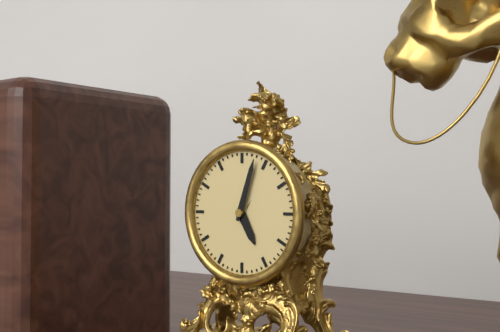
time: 5:03
